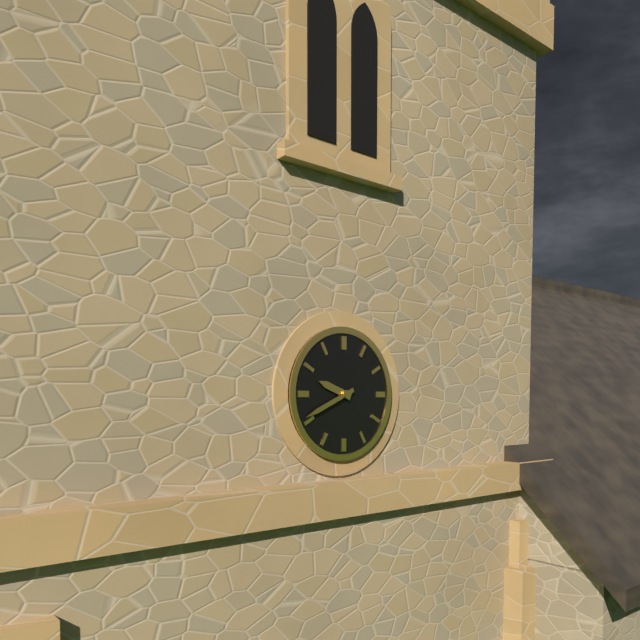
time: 9:41
